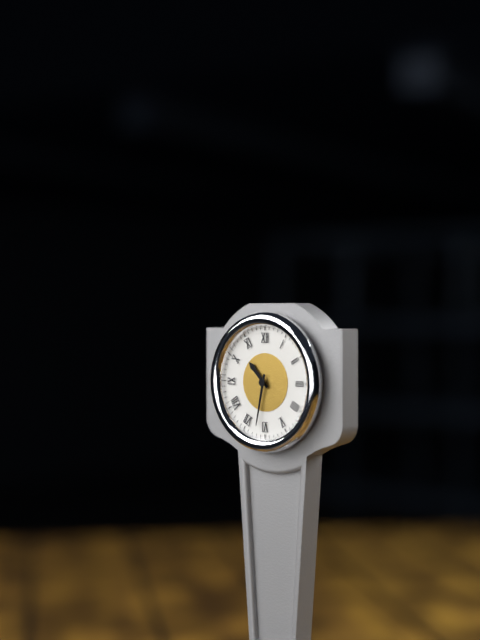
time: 10:32
